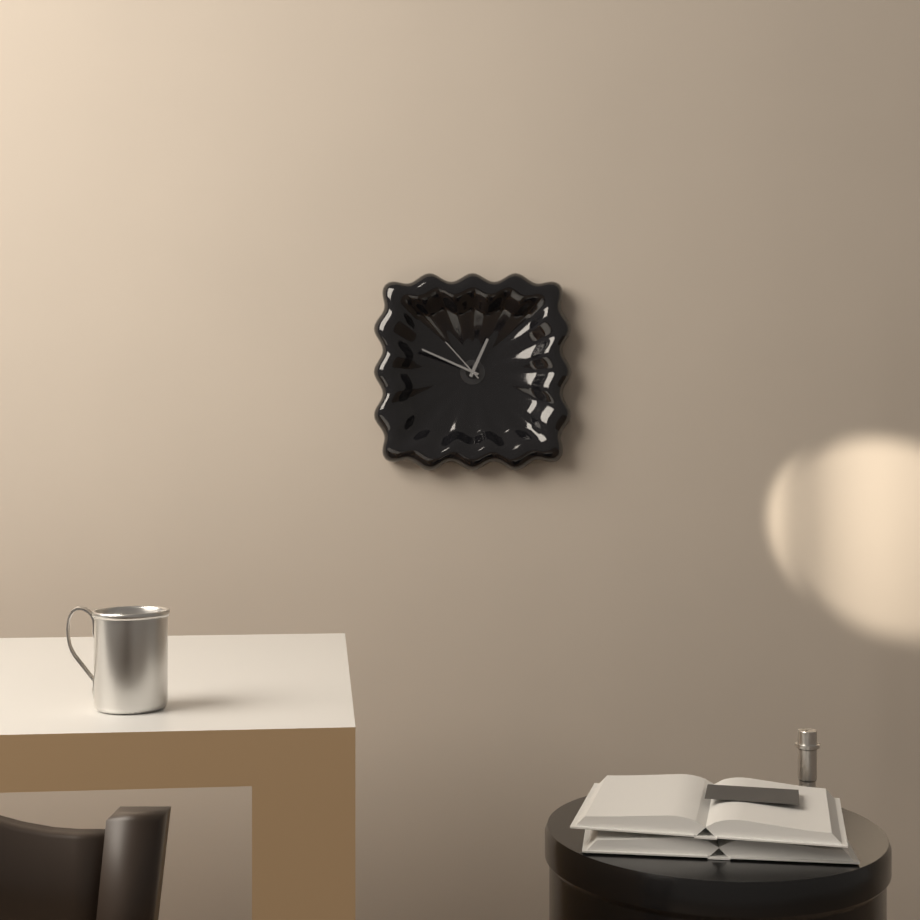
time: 12:49:53
